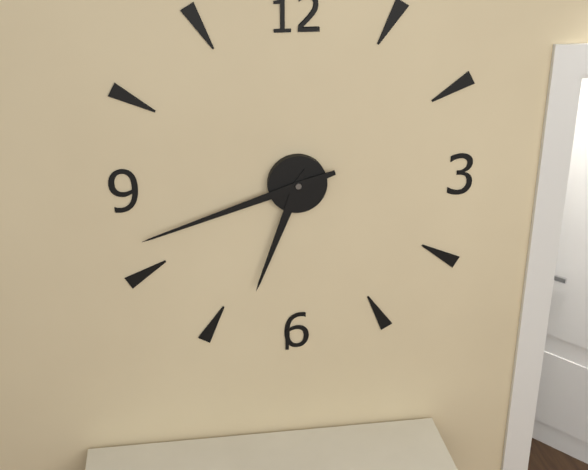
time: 6:42
